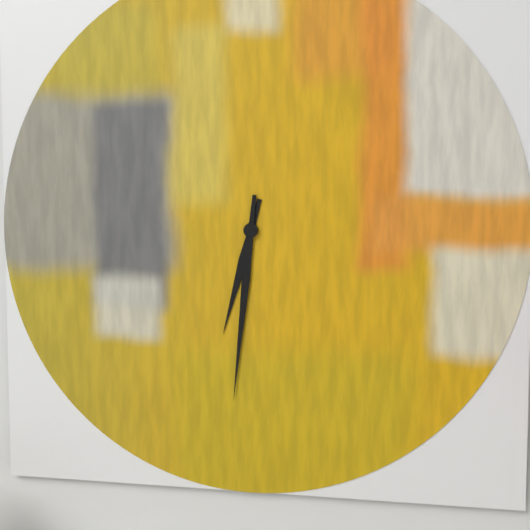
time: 6:31
